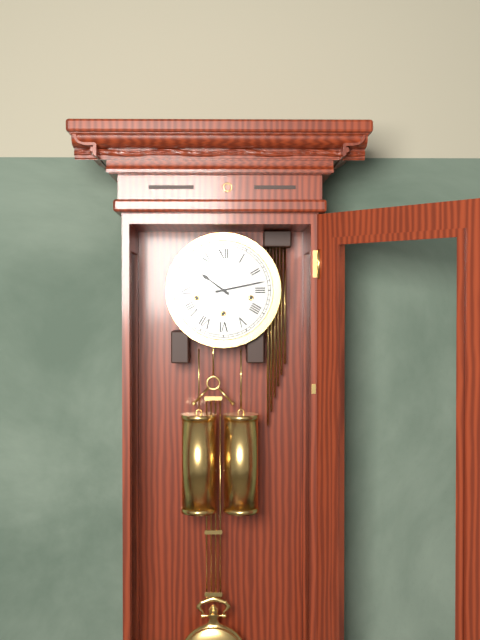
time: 10:13
